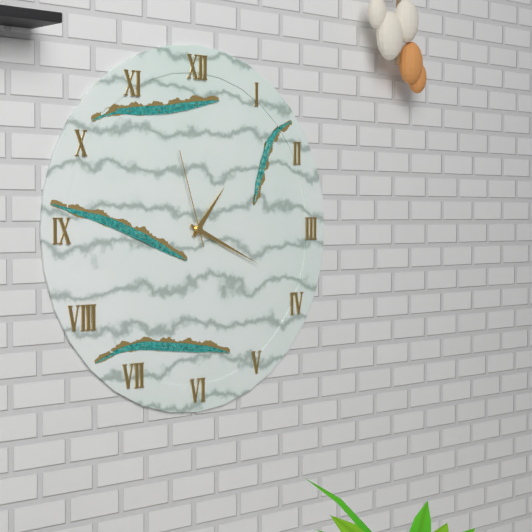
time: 1:19:57
